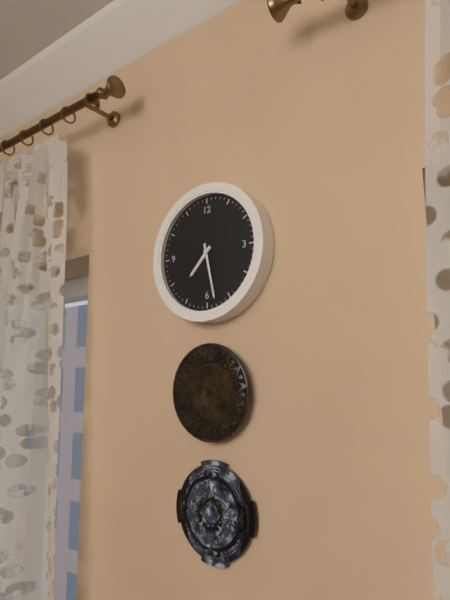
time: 7:28
